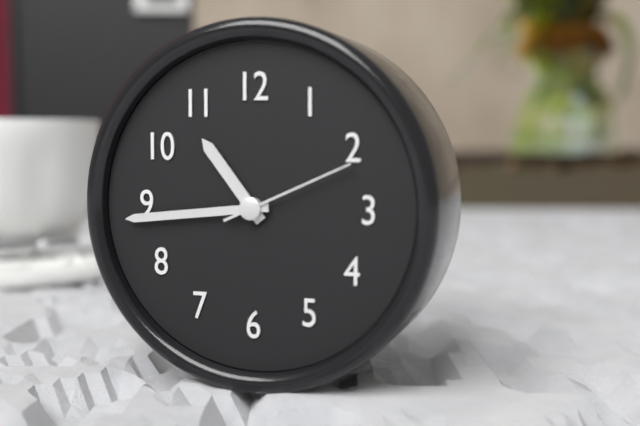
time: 10:44:11
